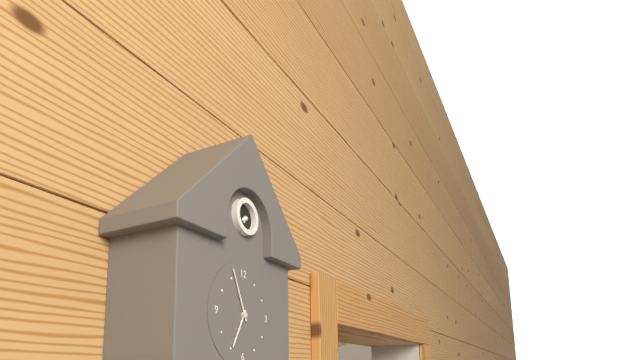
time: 6:56
